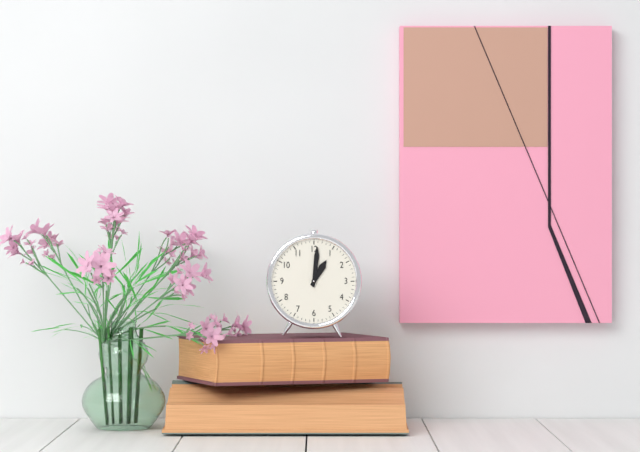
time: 1:01
